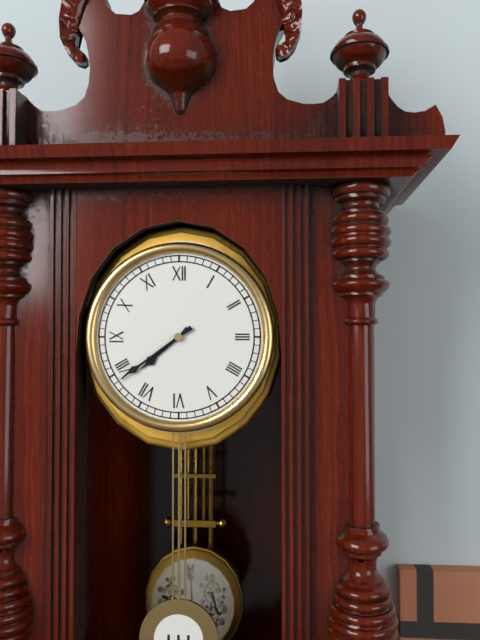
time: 7:39
